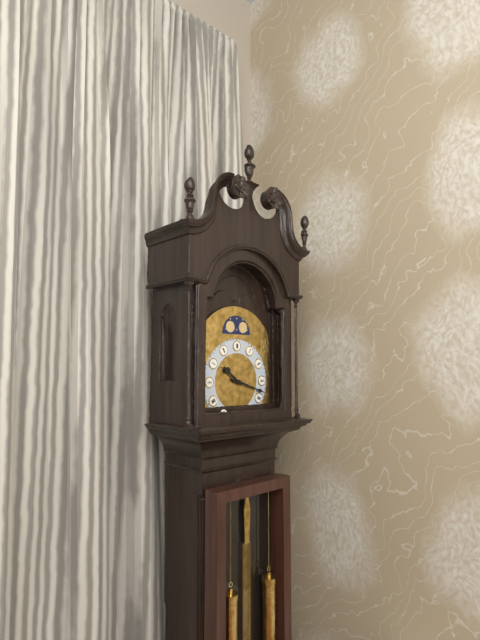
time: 10:18
